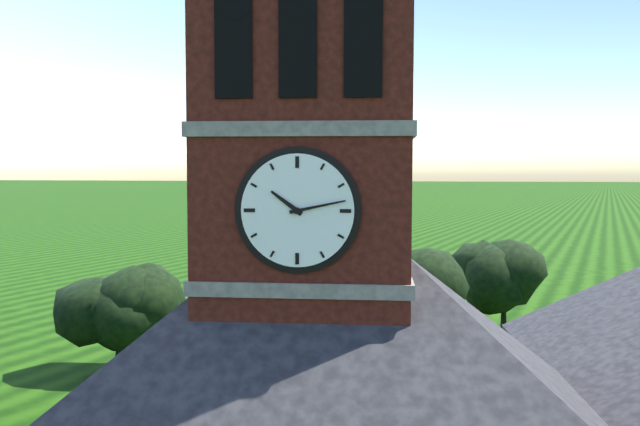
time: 10:13
